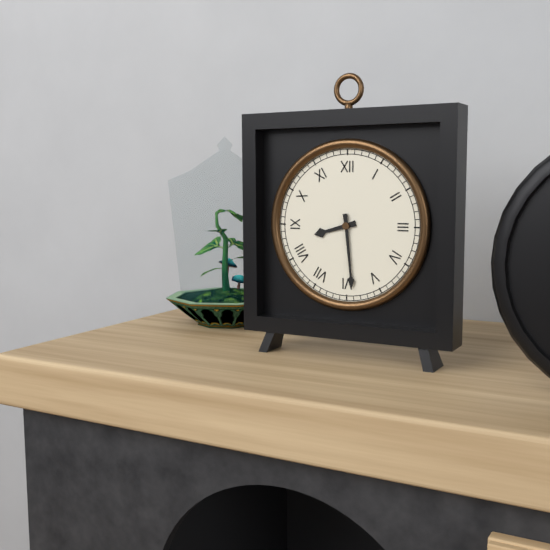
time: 8:29
